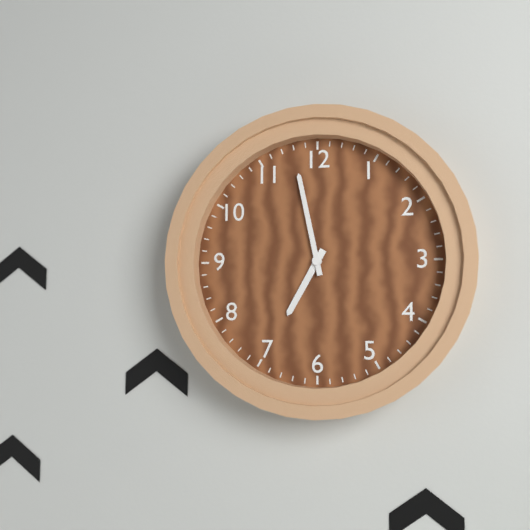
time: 6:58
